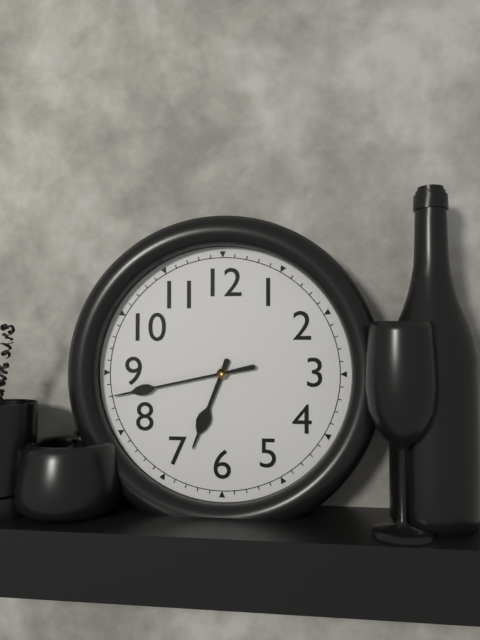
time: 6:43
